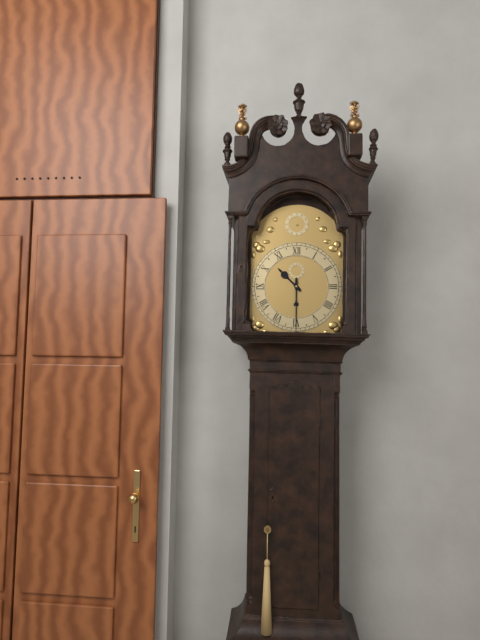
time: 10:30
